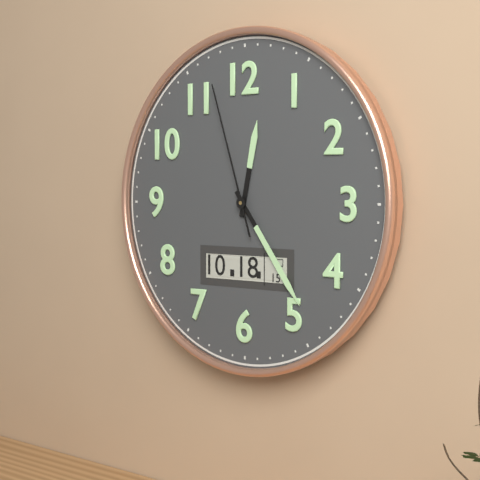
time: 12:24:57
